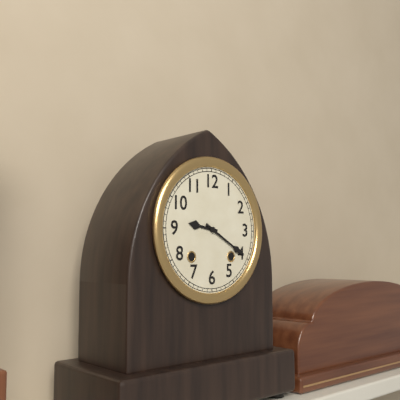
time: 9:20
